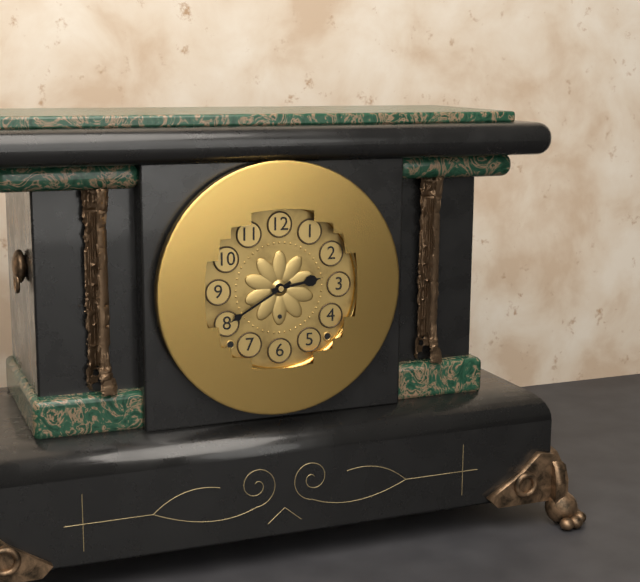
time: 2:40
